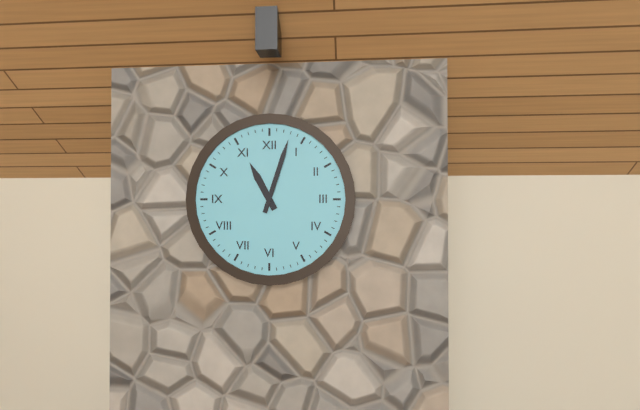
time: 11:03
